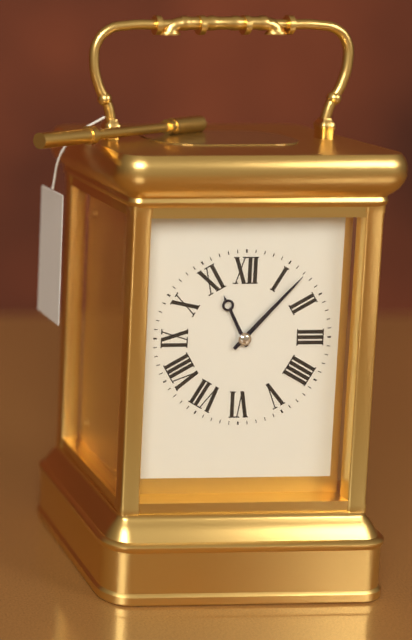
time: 11:07
